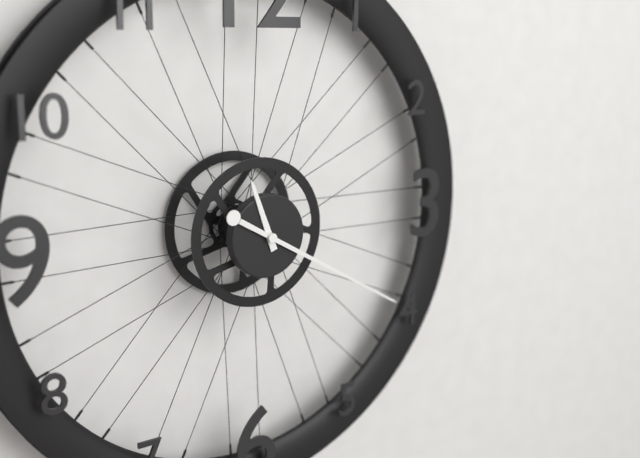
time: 11:20
